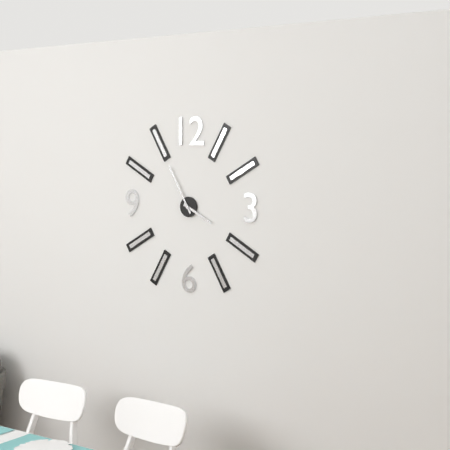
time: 3:55
